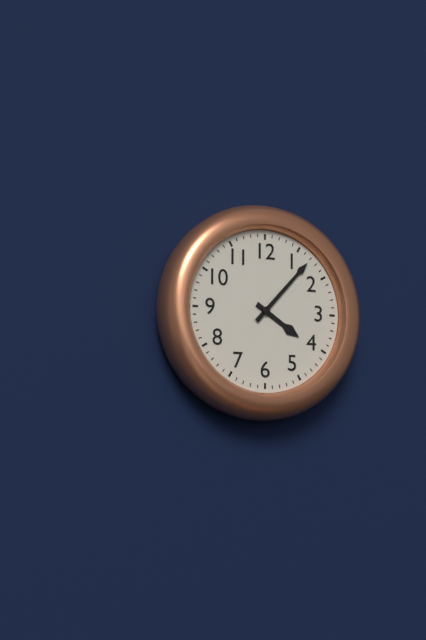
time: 4:07
